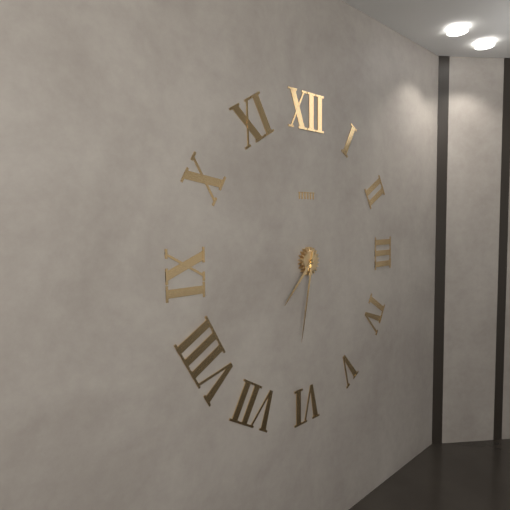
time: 7:32
